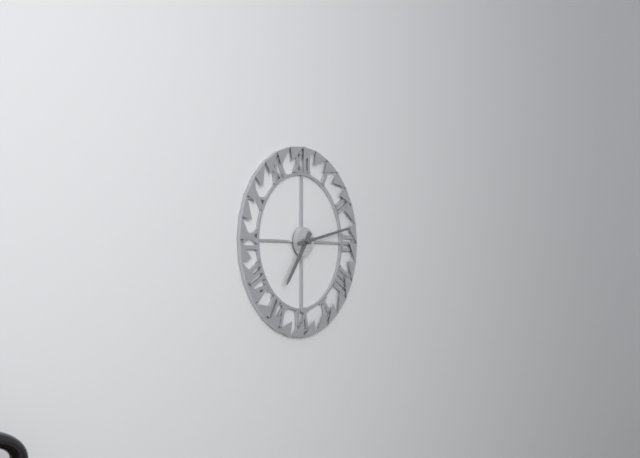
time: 7:13
